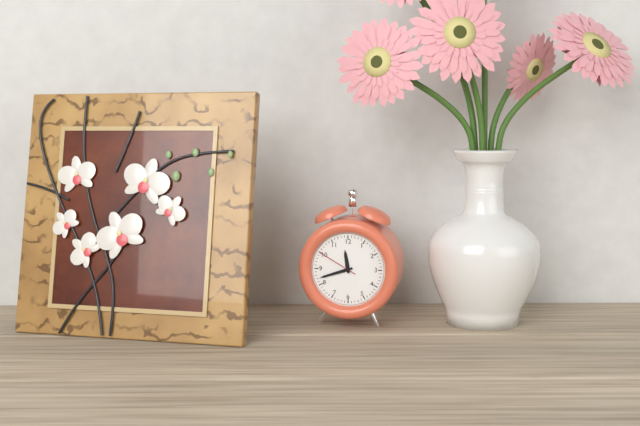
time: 11:42
